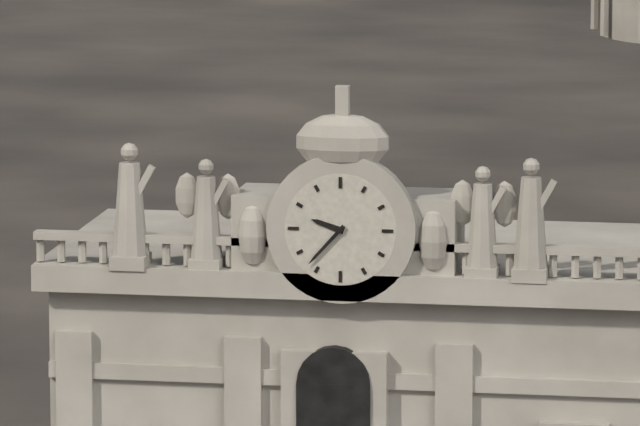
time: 9:37
